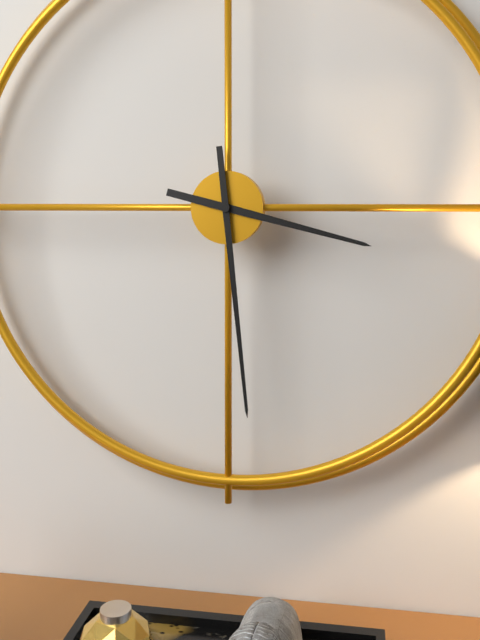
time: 3:29
